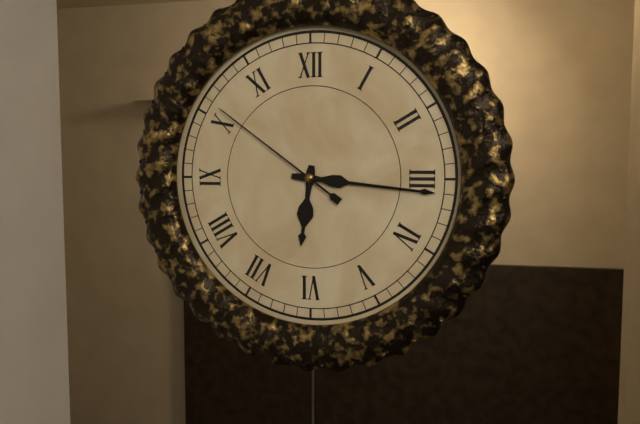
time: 6:16:51
